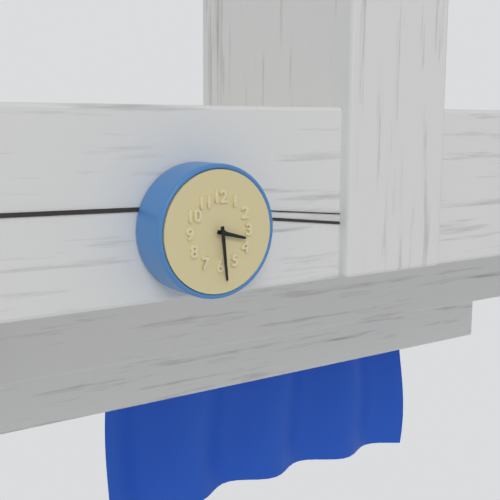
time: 3:29
